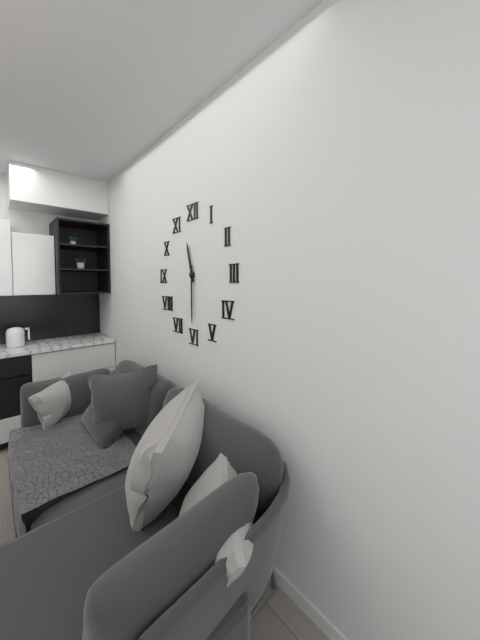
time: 11:30
